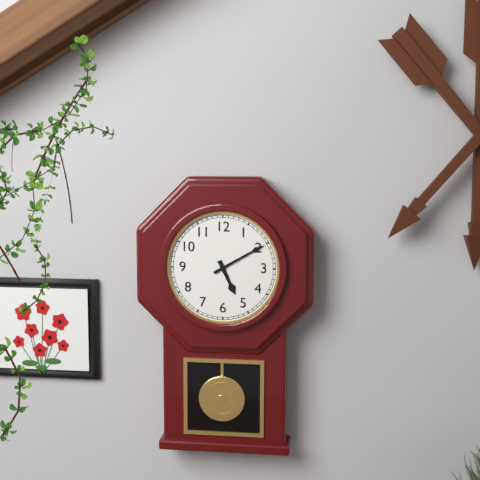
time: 5:10
